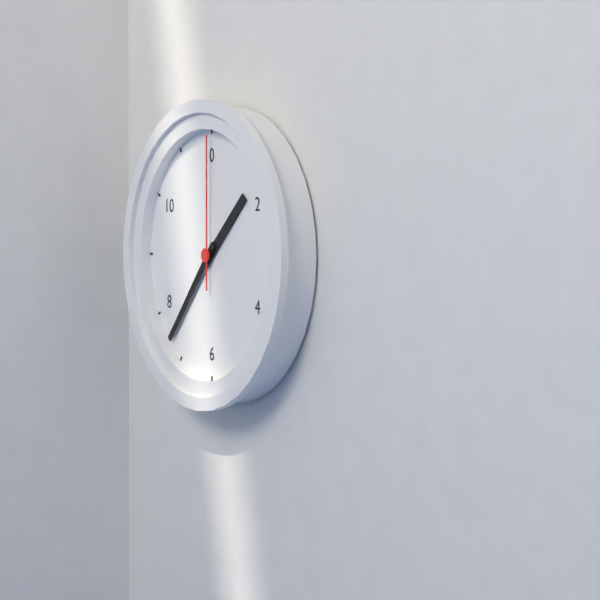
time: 1:37:00
